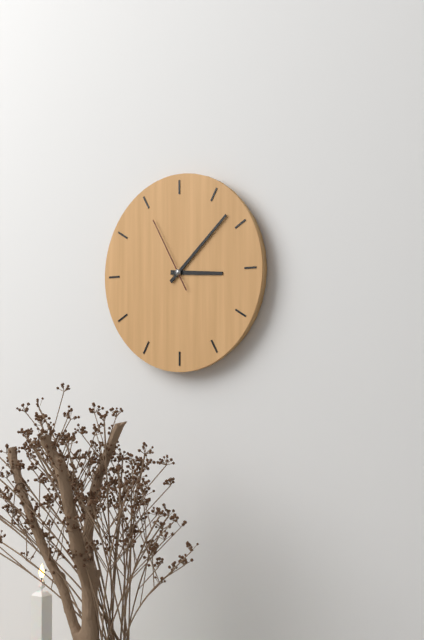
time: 3:08:55
